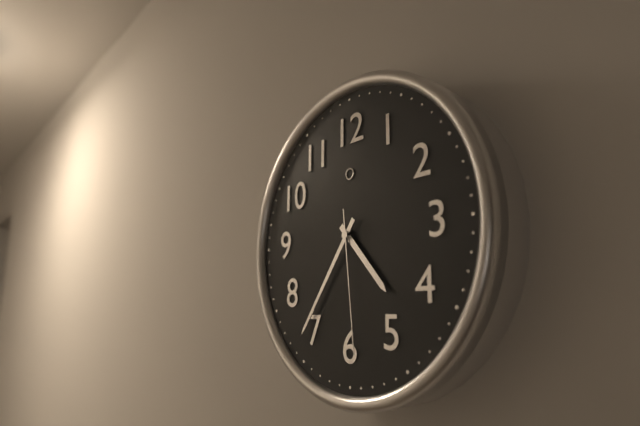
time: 4:36:29
